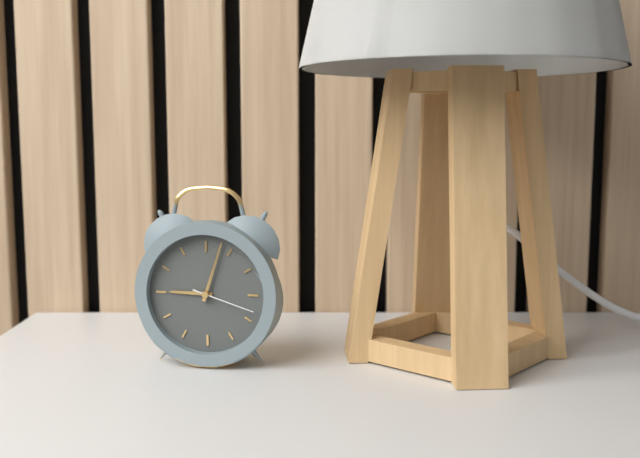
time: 9:03:18
